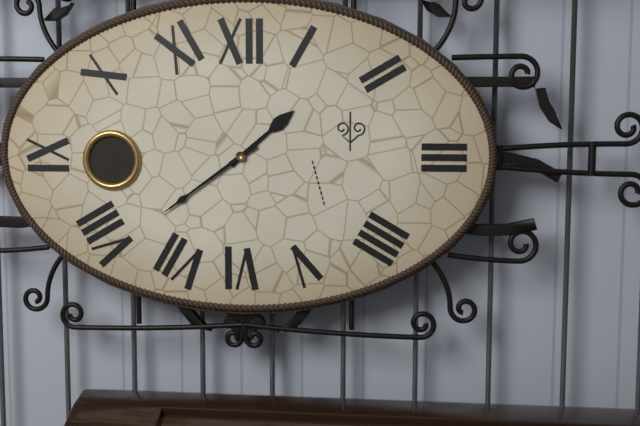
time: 1:39
